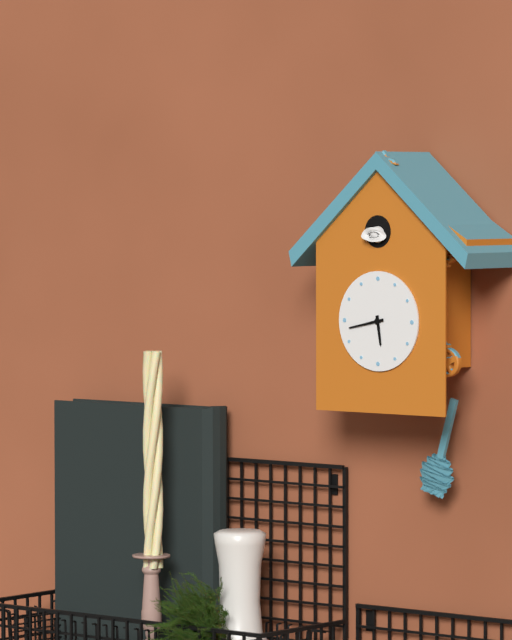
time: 5:43
